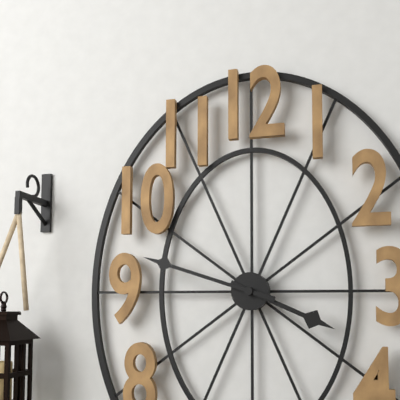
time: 3:48
